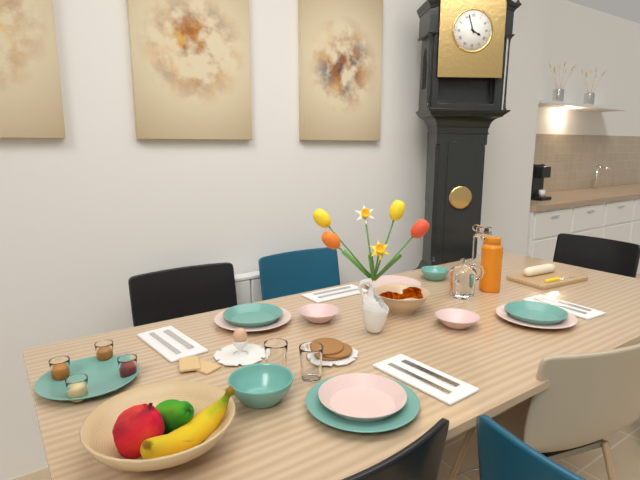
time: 3:57
